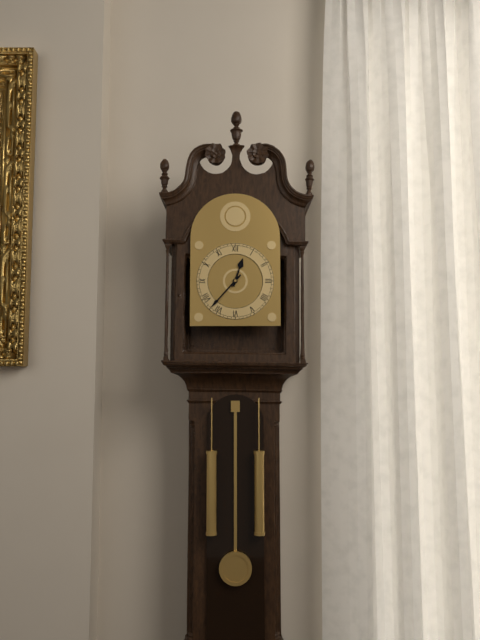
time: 12:37
